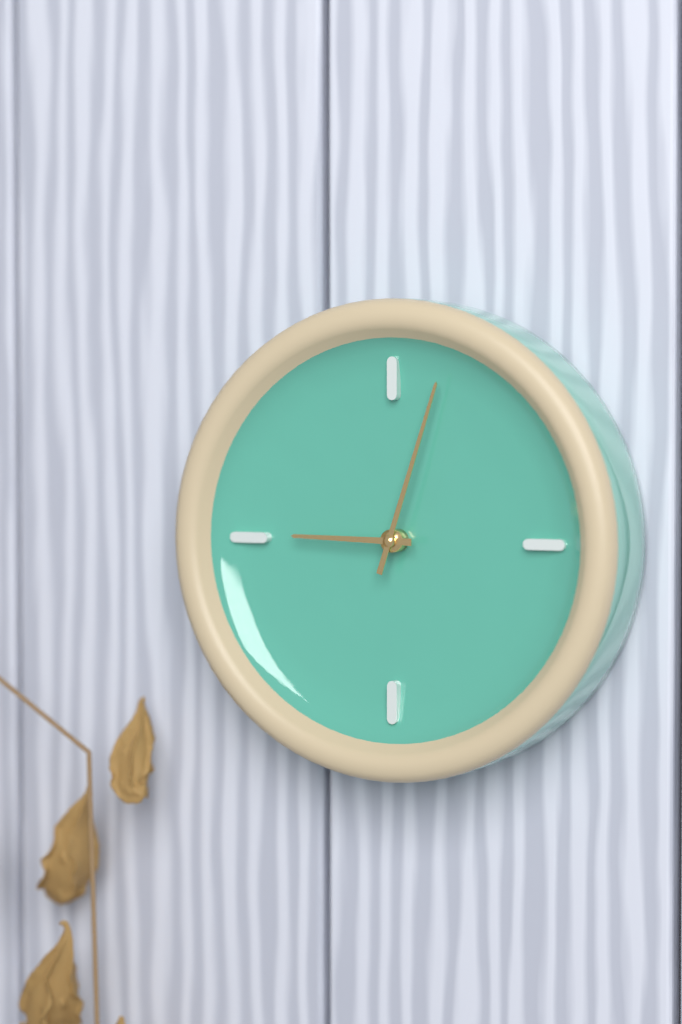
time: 9:03
